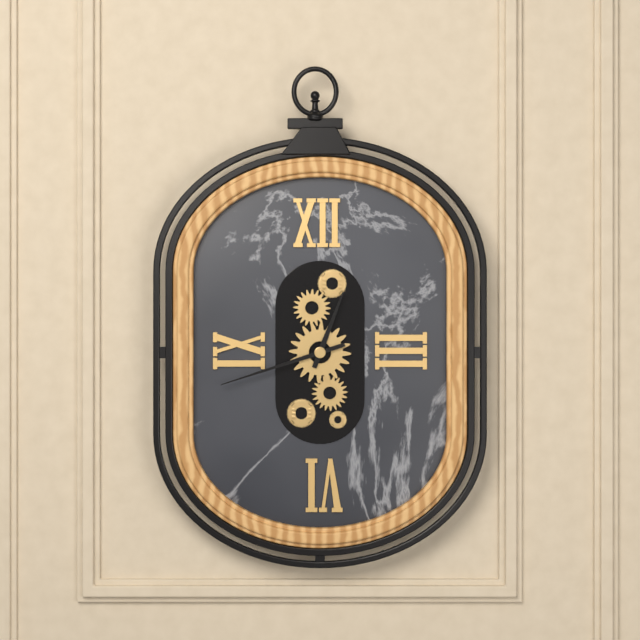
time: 12:42
